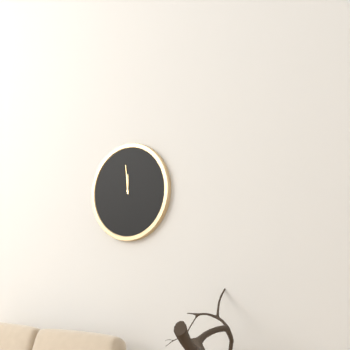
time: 11:59
